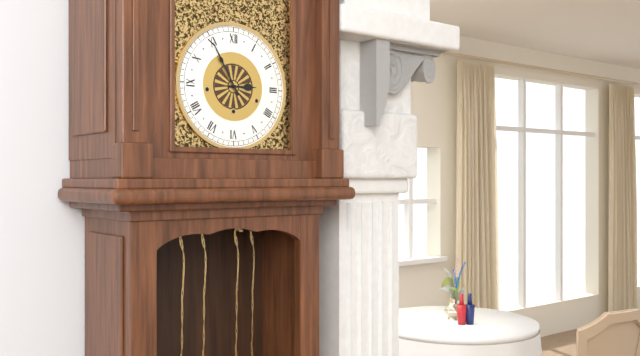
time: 2:55
